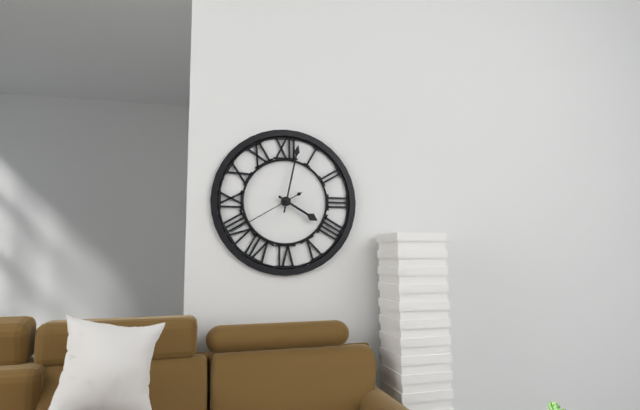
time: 4:02:40
